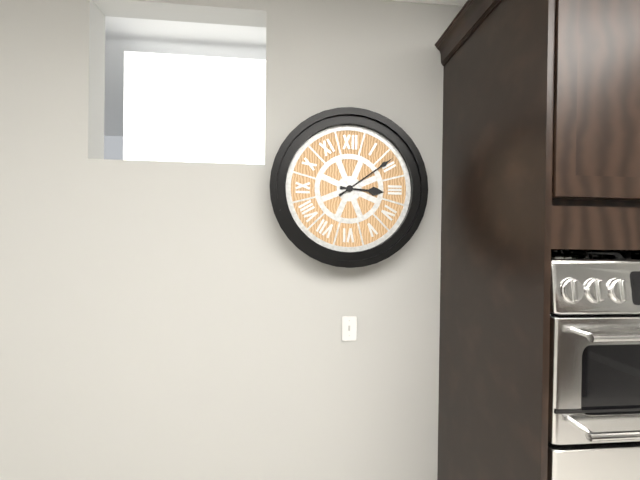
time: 3:09
